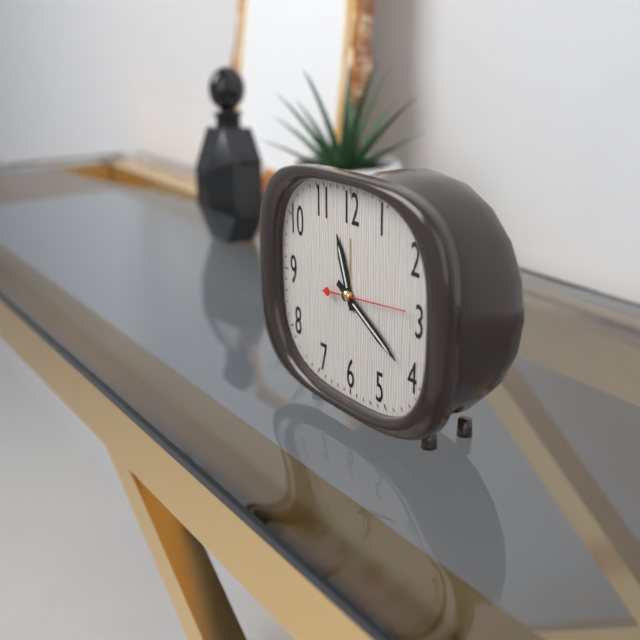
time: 11:20:14
